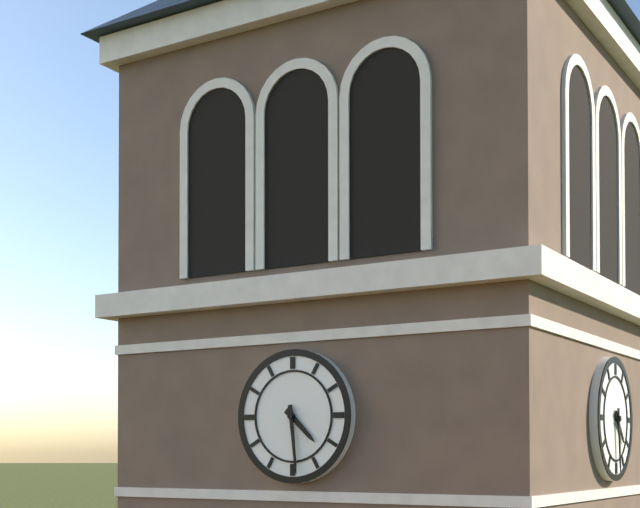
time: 4:29
